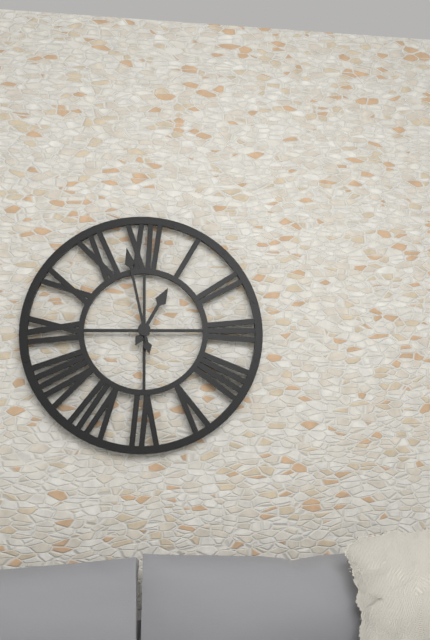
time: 12:58
